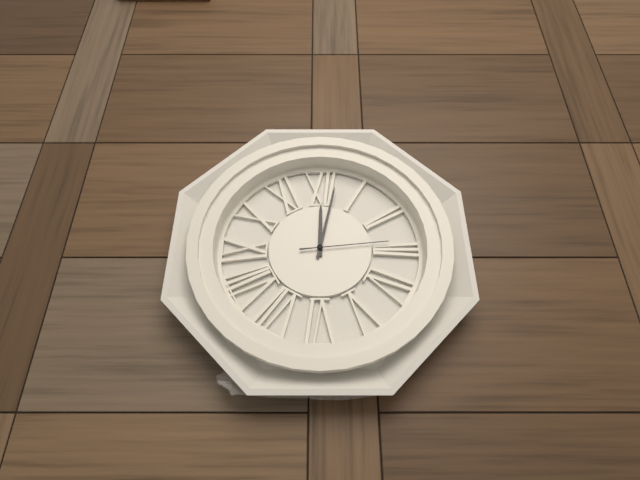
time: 12:02:14
